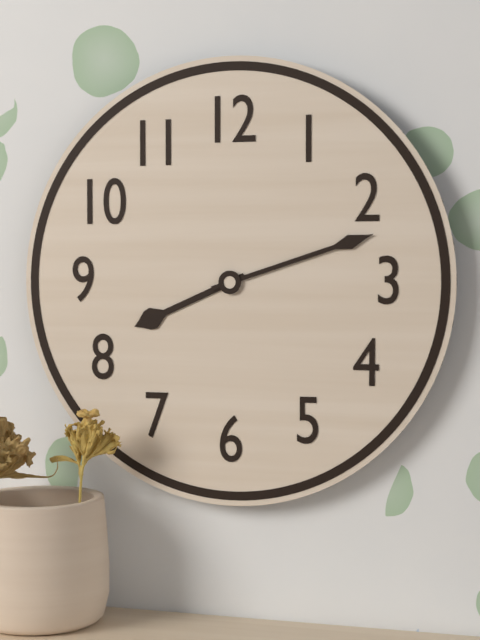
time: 8:12
